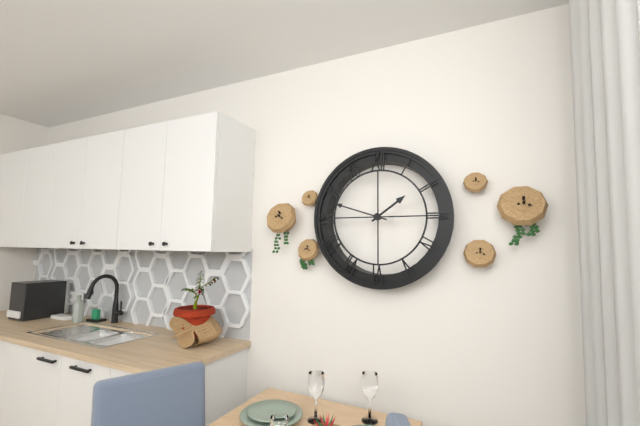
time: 1:48
